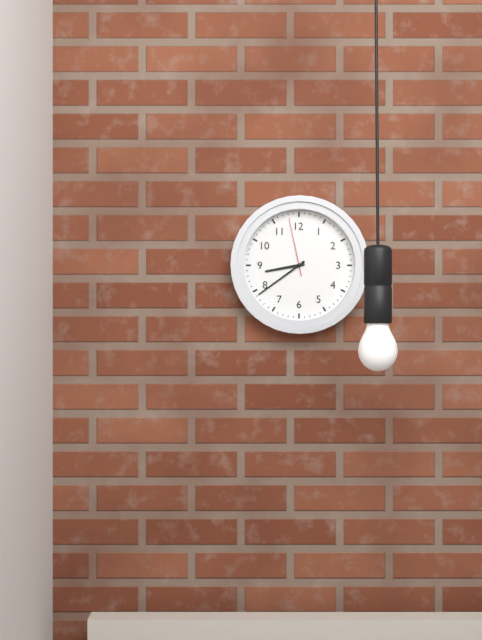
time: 8:39:58
